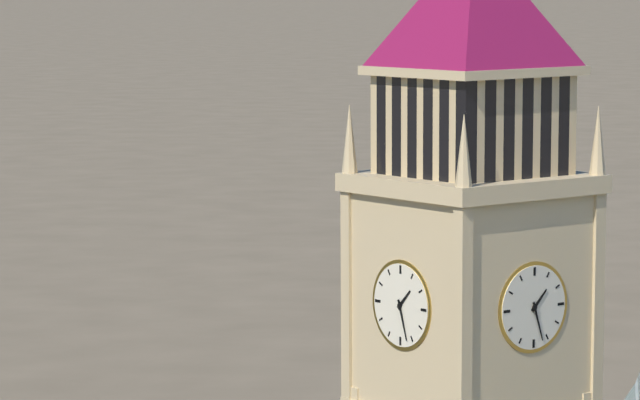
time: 1:27
